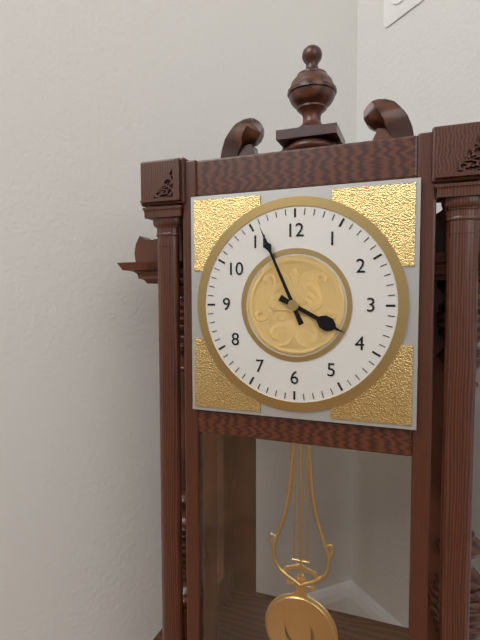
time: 3:56
